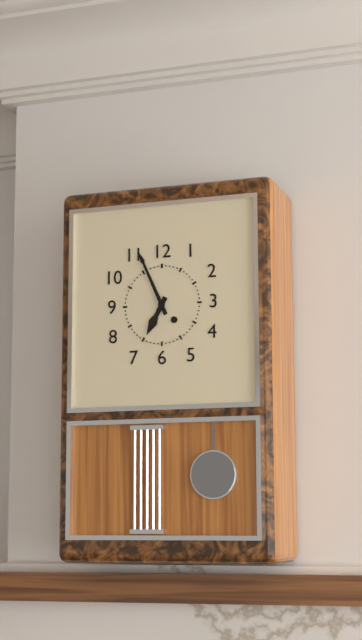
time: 6:56
